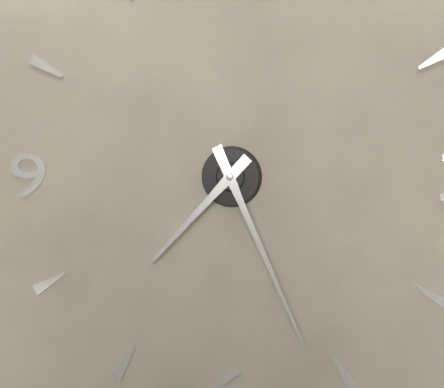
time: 7:26
